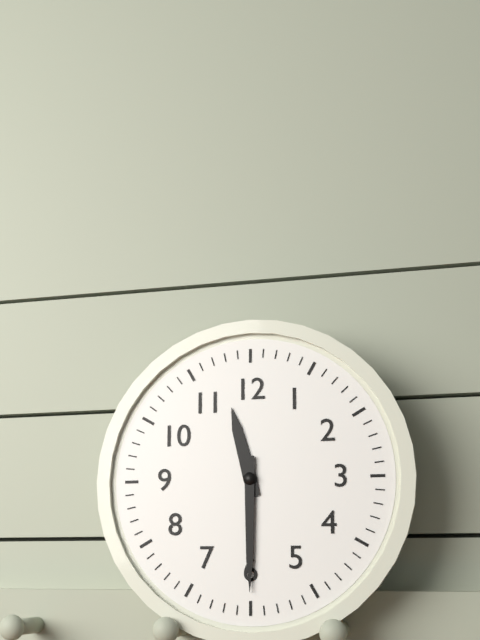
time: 11:30
